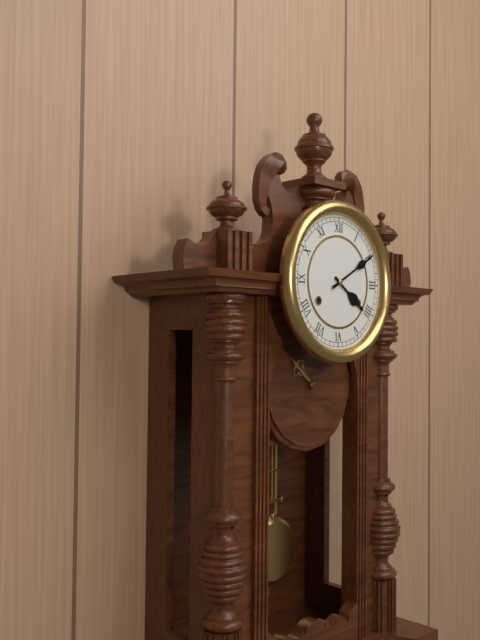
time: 4:10
